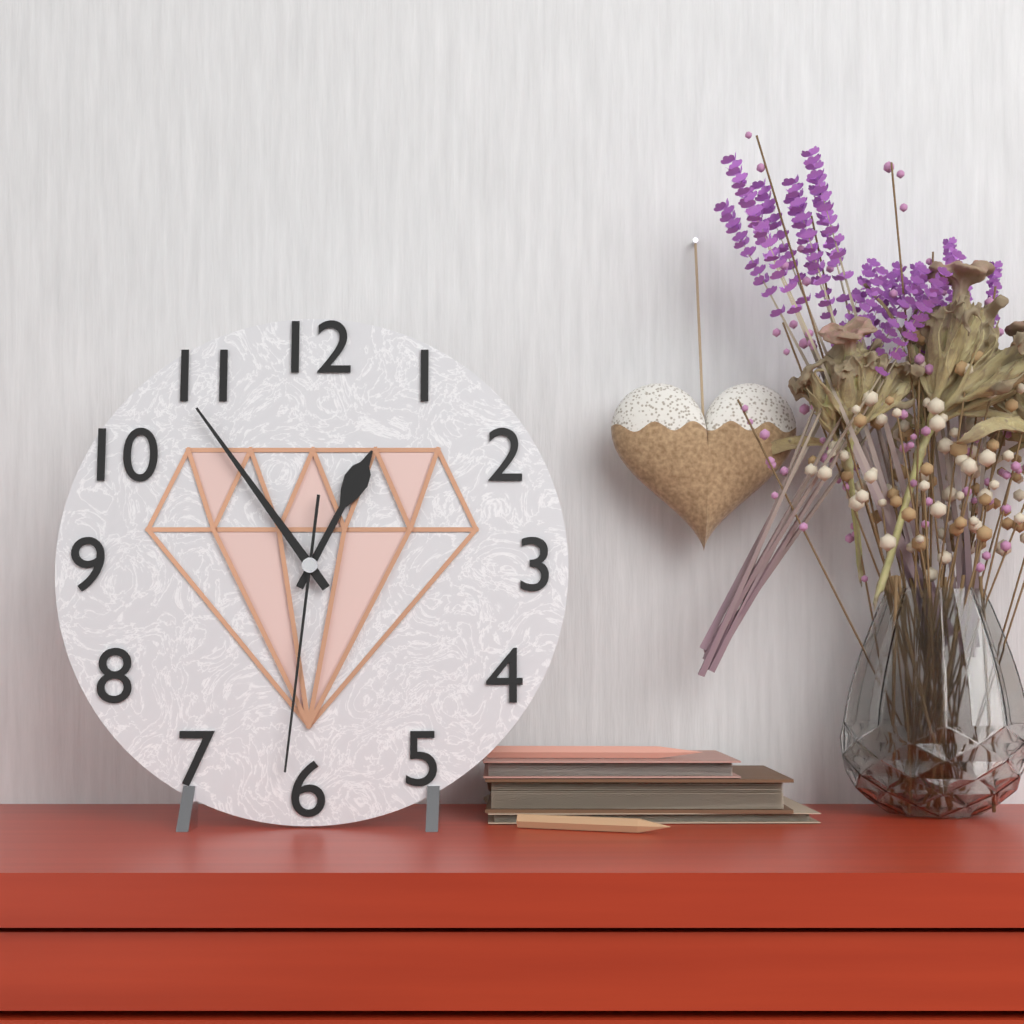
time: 12:54:31
